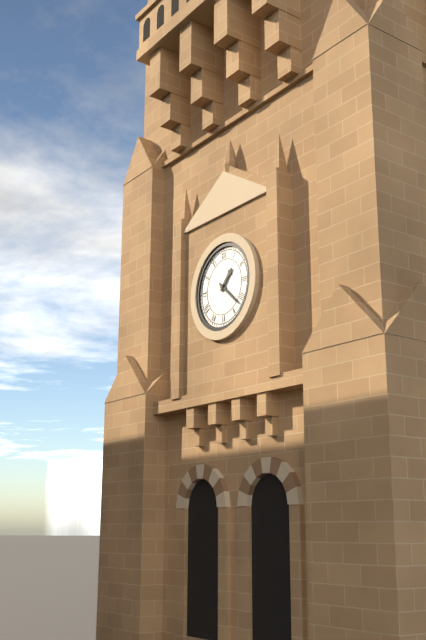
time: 1:22
